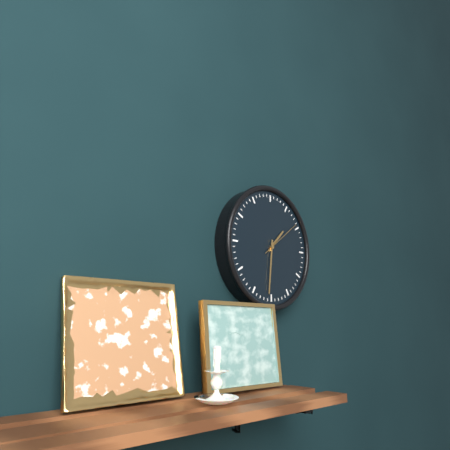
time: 1:31:09
